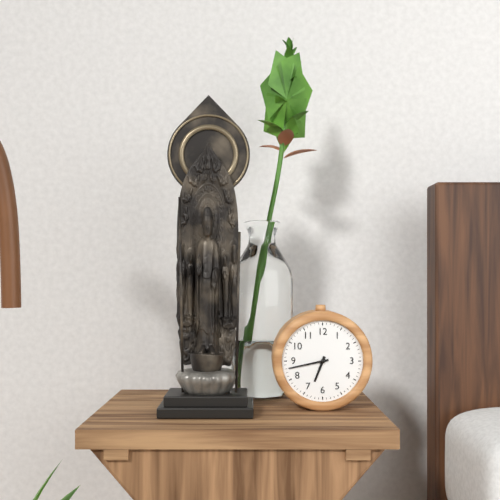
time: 6:43
